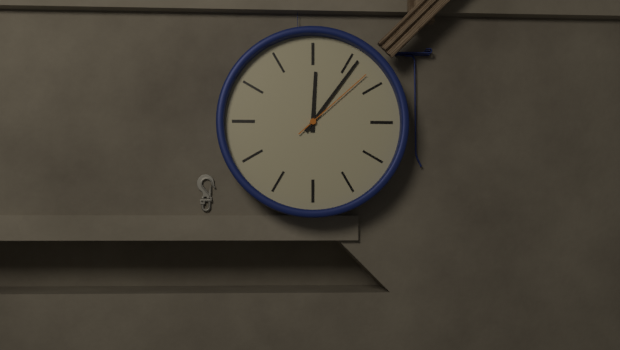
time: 12:06:08
